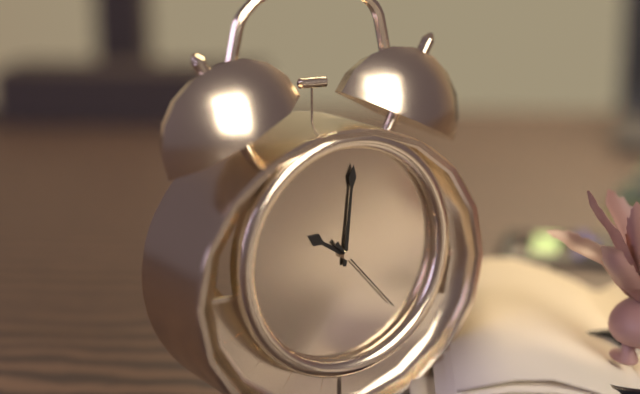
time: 10:01:23
